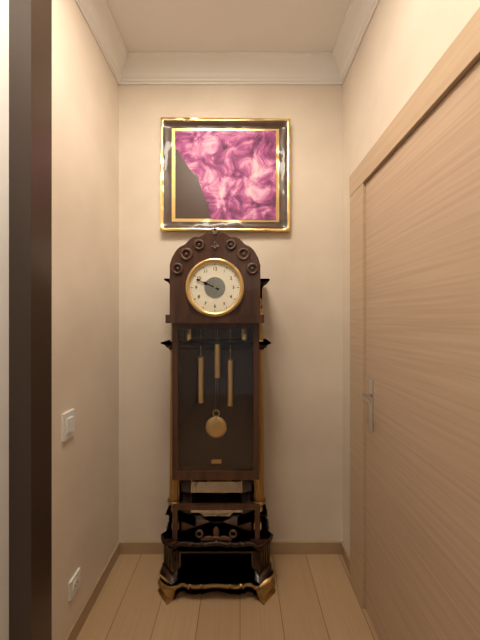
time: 9:49
